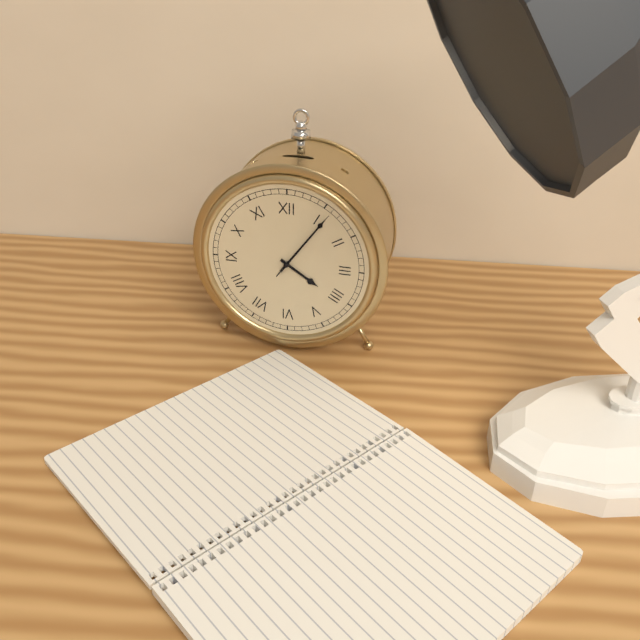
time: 4:06:06
